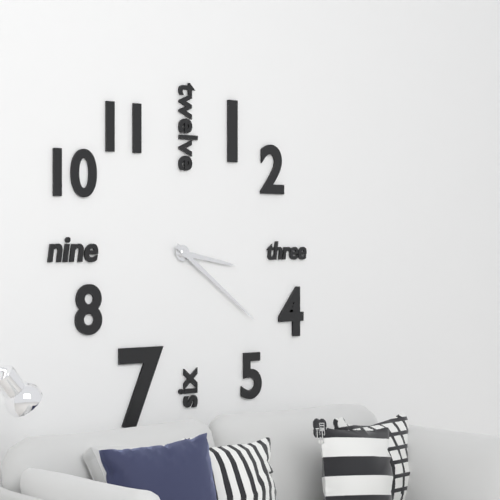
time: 3:21
